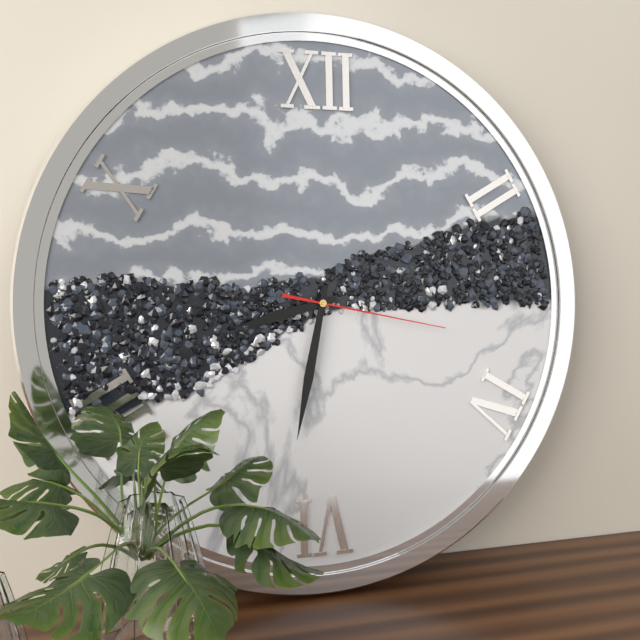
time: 8:32:17
